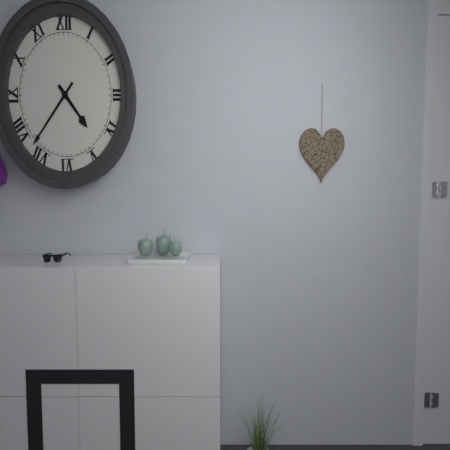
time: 4:37
